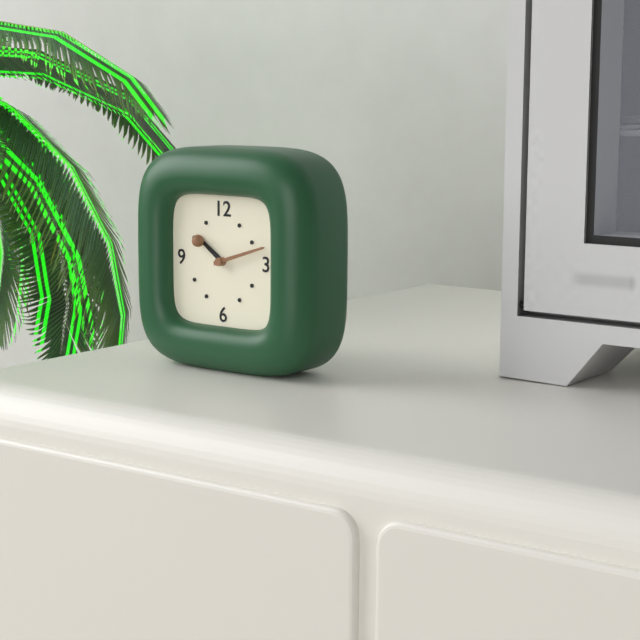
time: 10:12
